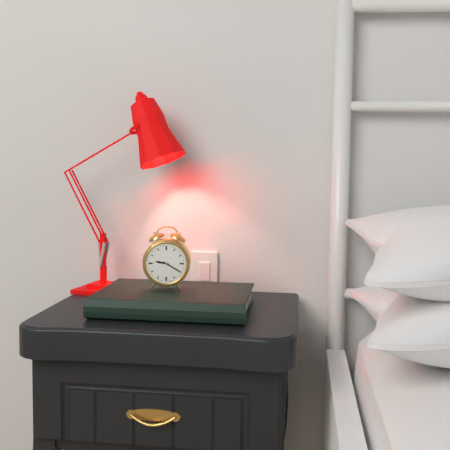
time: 9:20
